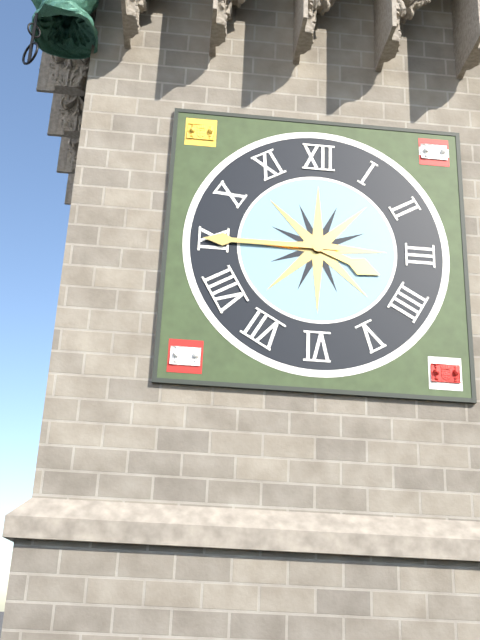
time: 3:45
